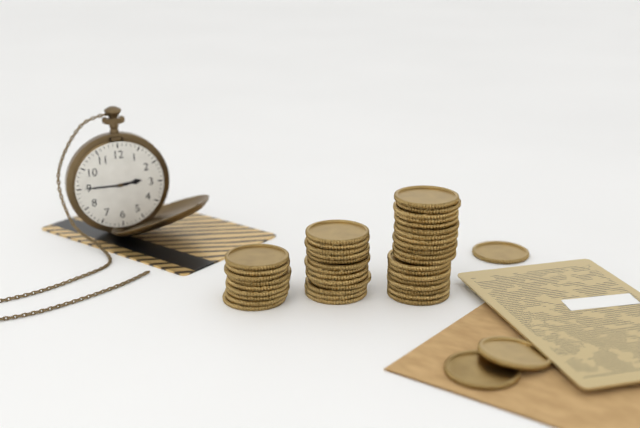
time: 2:45
